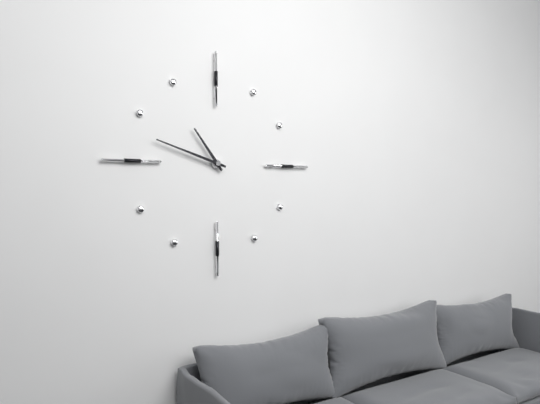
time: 10:48
